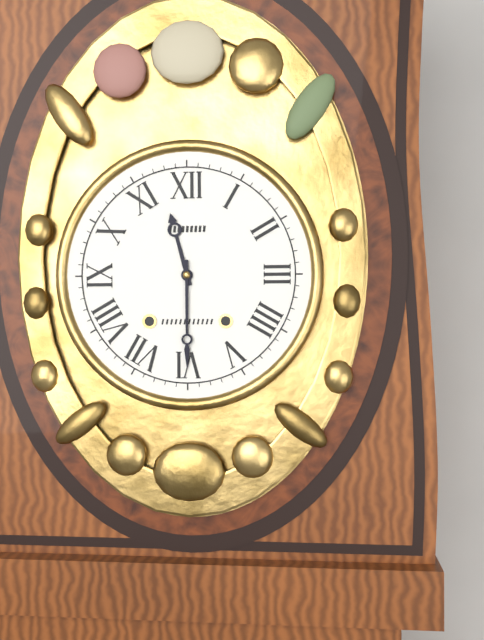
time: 11:30
